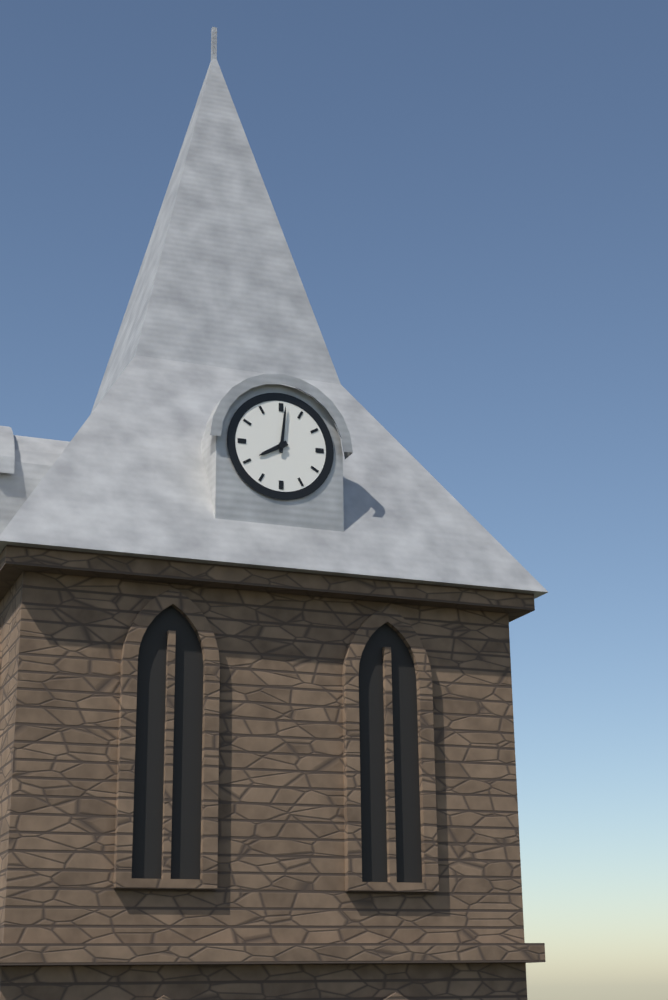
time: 8:01
